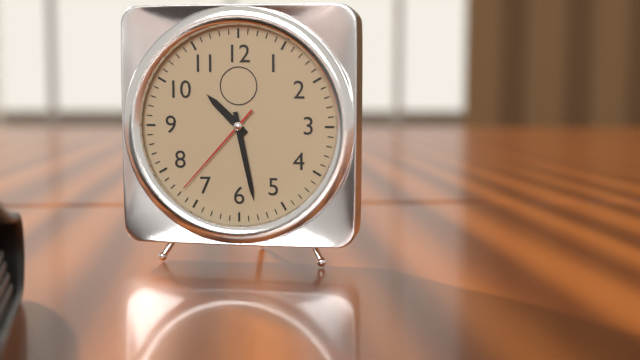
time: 10:28:37
